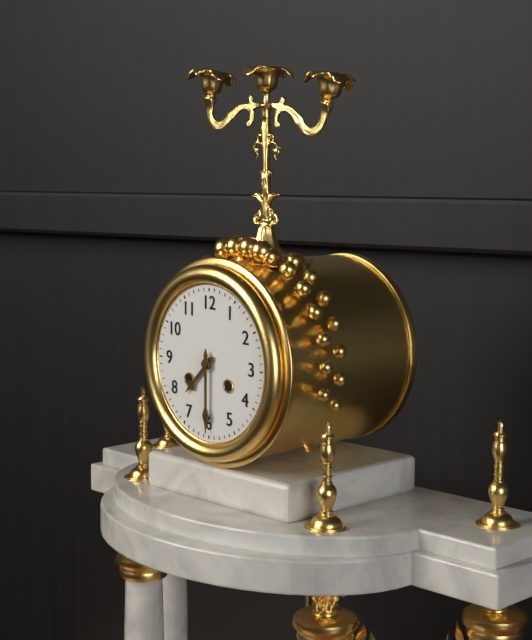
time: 7:30
